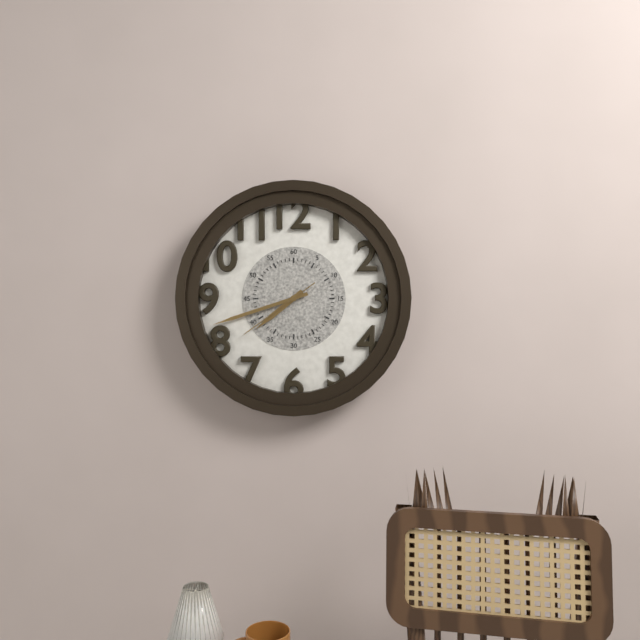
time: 7:42:39
